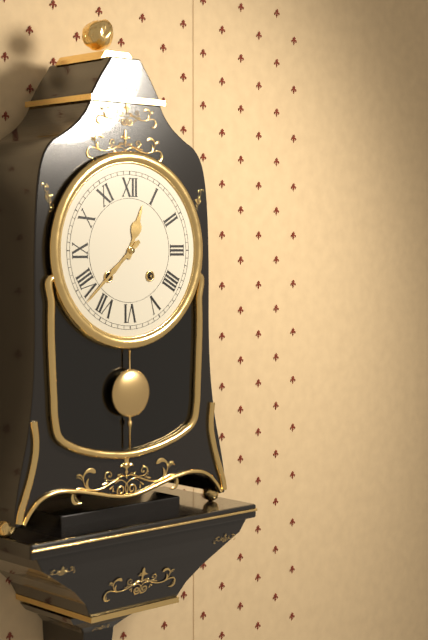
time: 12:38
